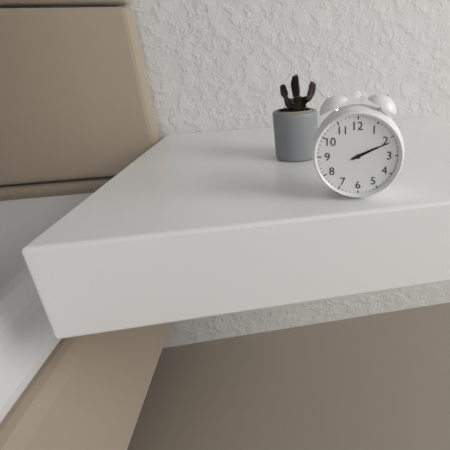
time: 2:11
